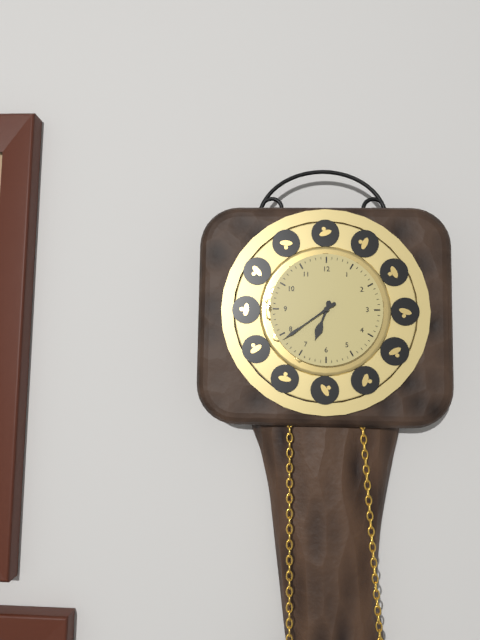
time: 6:39
